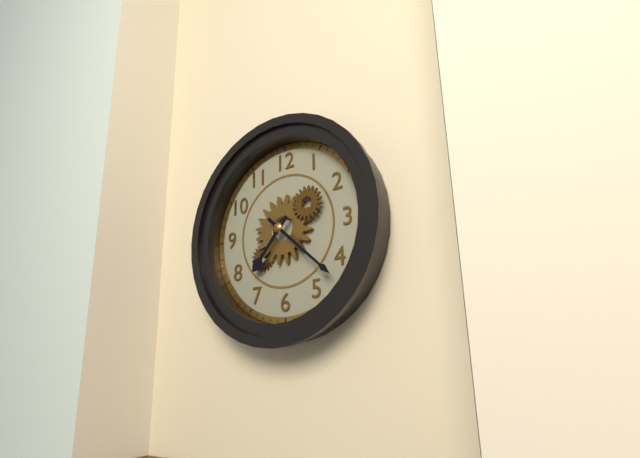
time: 7:22
